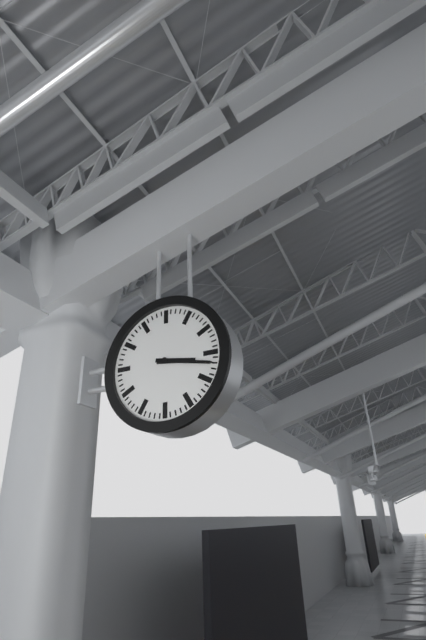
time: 3:17
